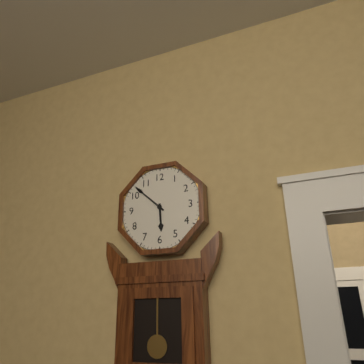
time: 5:52
